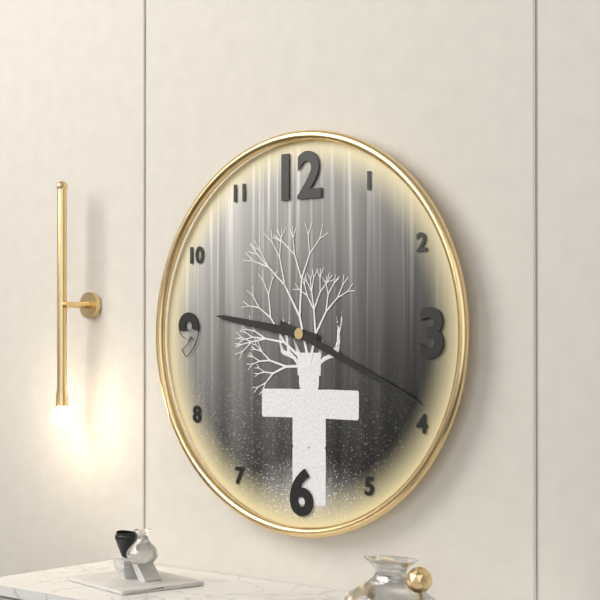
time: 9:19
